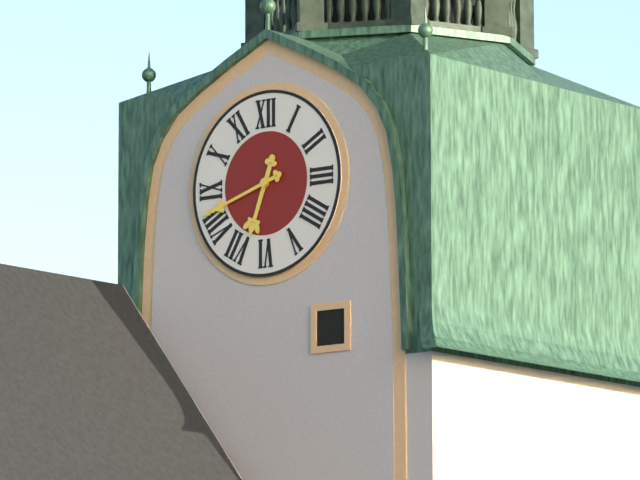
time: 6:42
